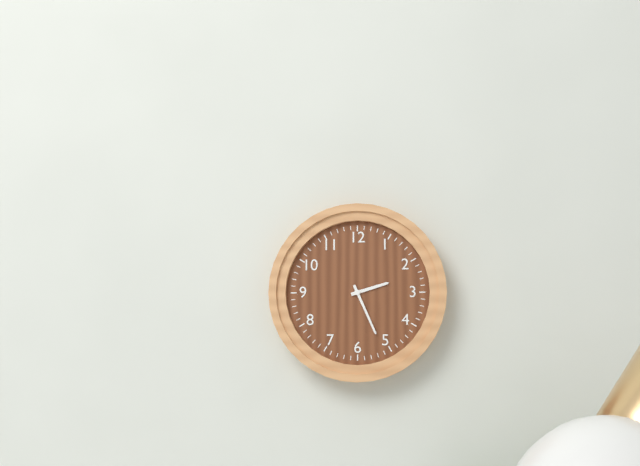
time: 2:26
